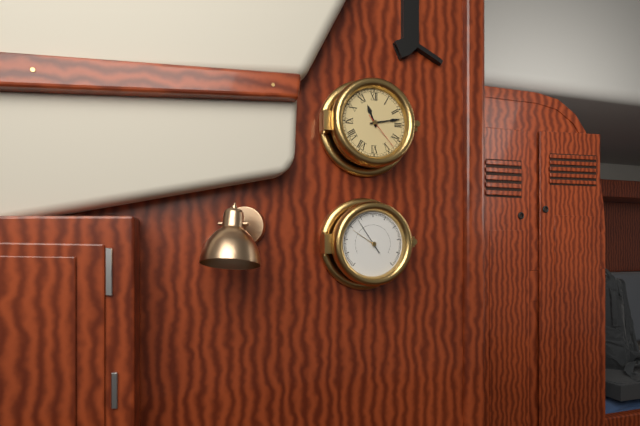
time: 11:13
